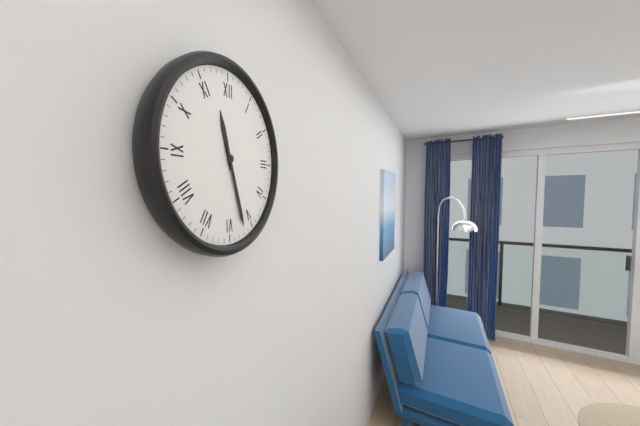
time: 11:27
